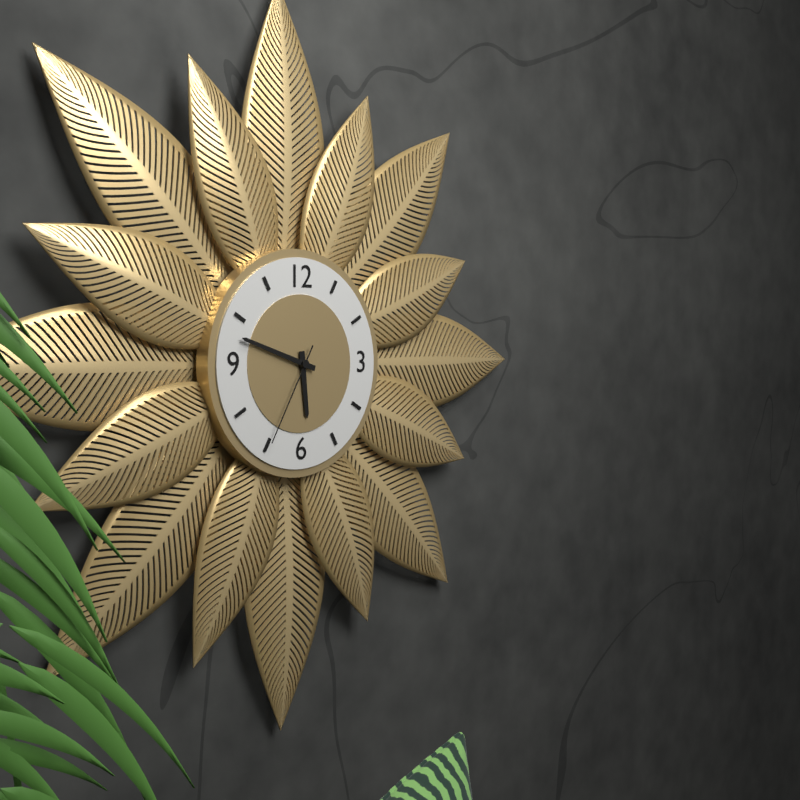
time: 5:48:35
